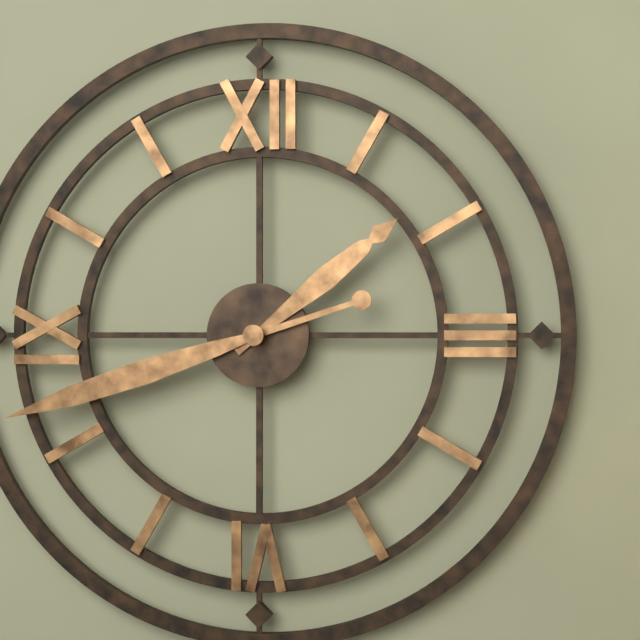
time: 1:42
